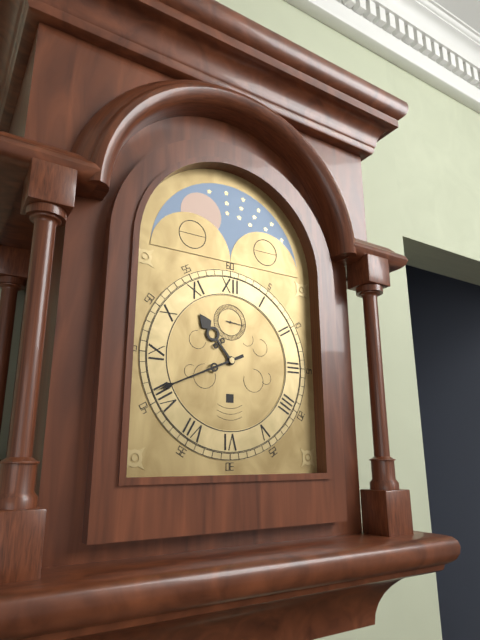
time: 10:41
